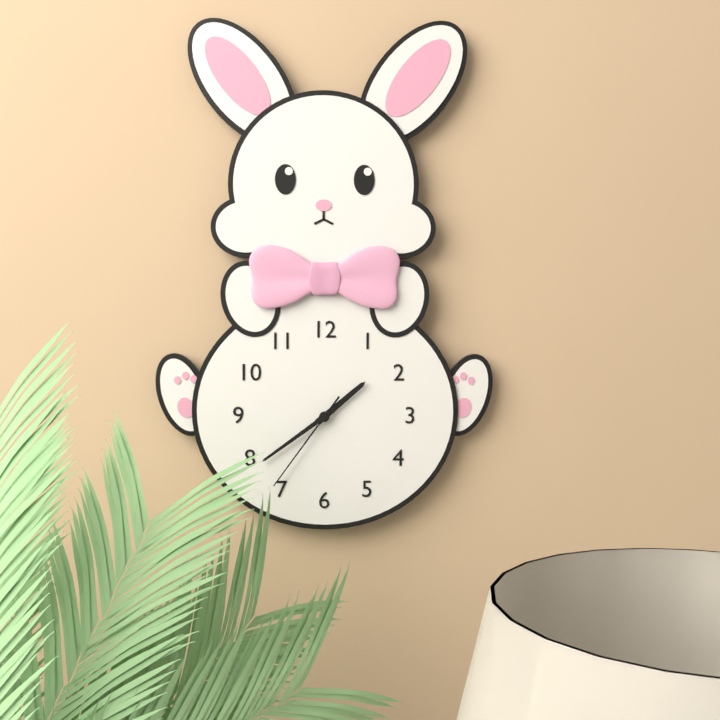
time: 1:39:36
